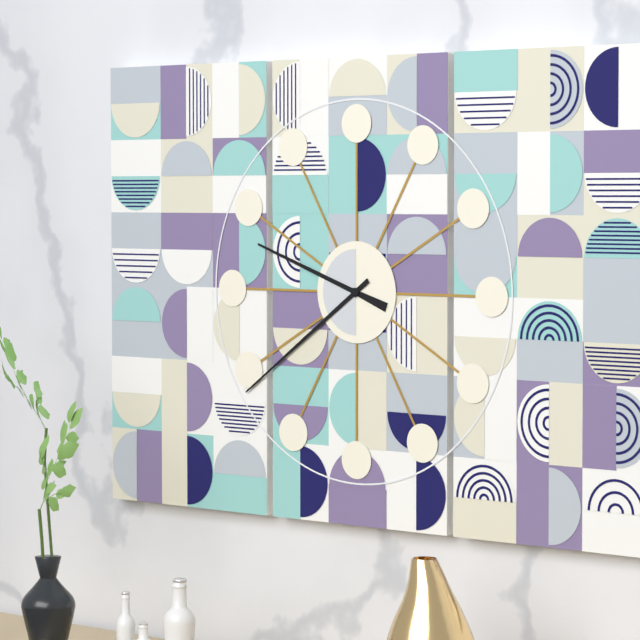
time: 9:39
